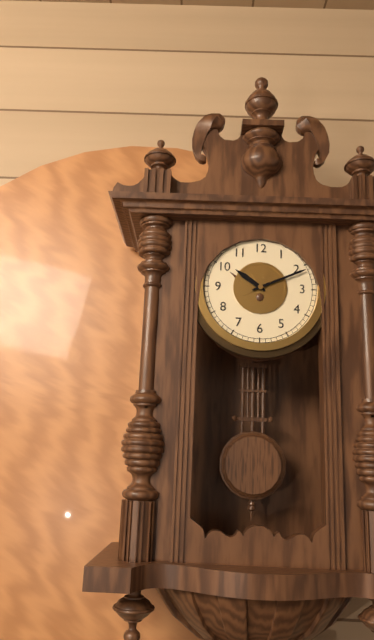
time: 10:11
